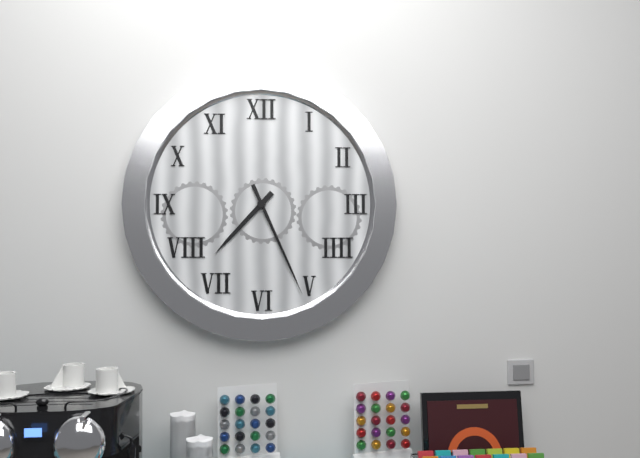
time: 7:26
